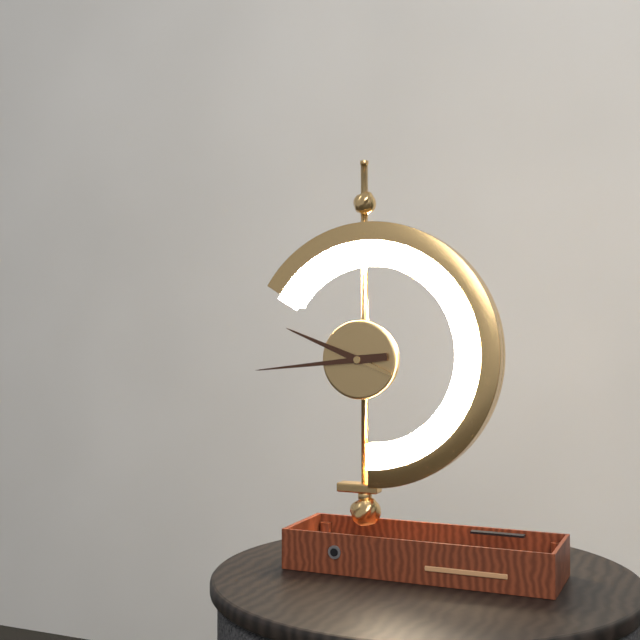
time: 9:44
